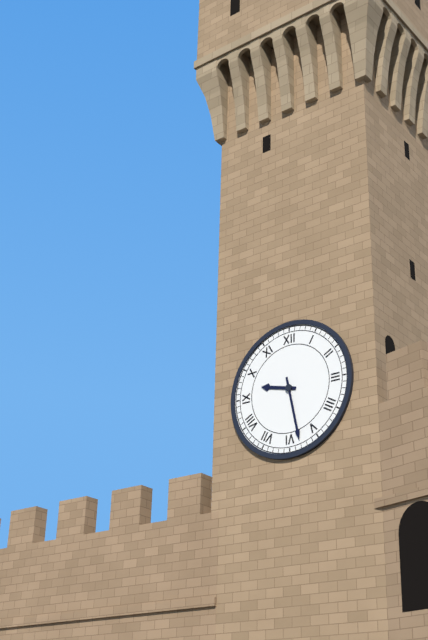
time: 9:28
